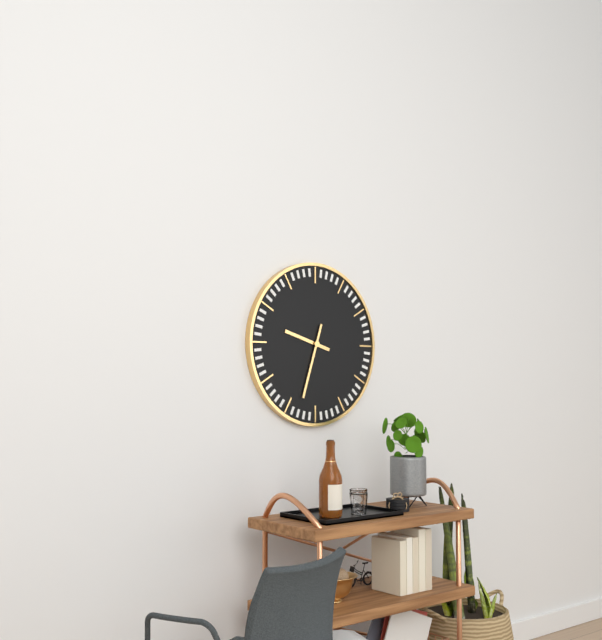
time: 9:33
